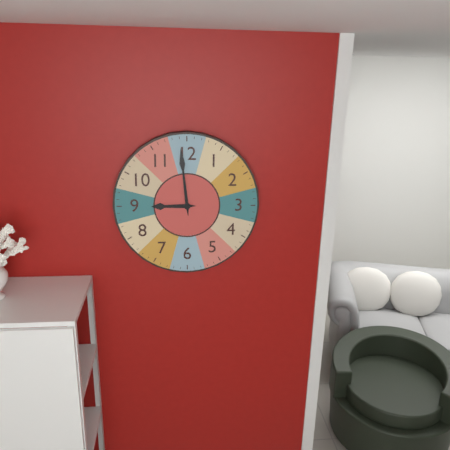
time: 8:59
